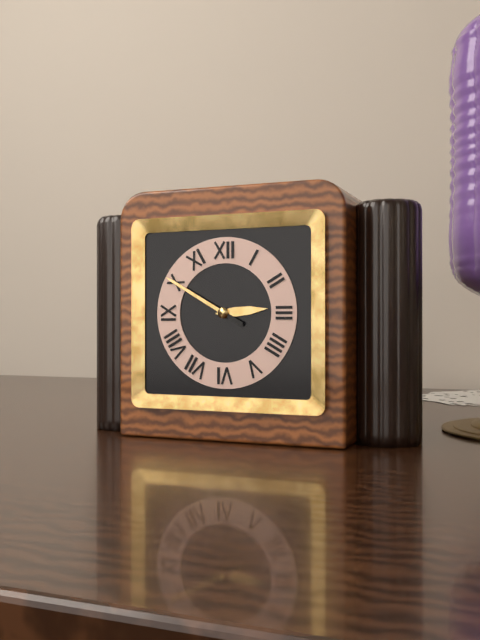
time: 2:50
